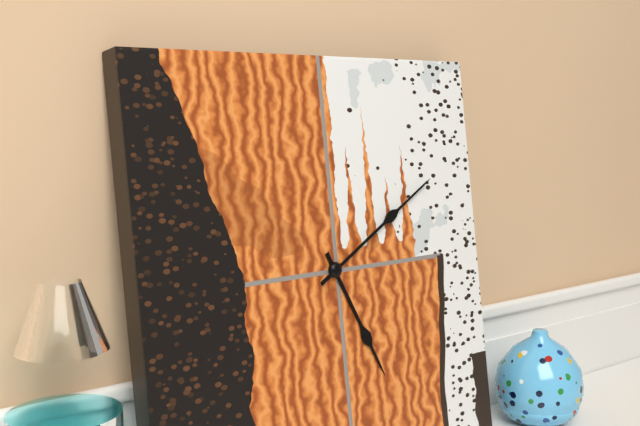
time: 5:10
